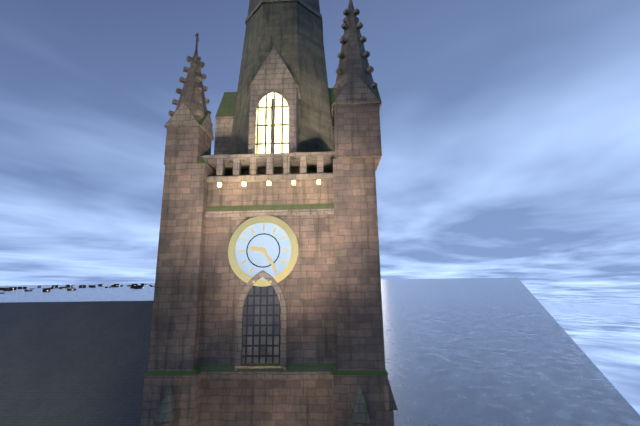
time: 9:24
